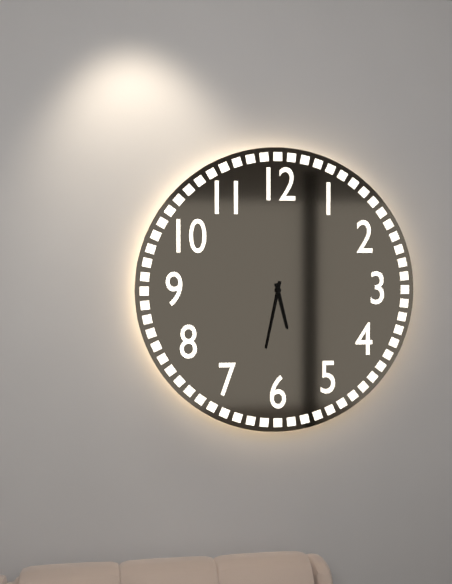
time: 5:32
